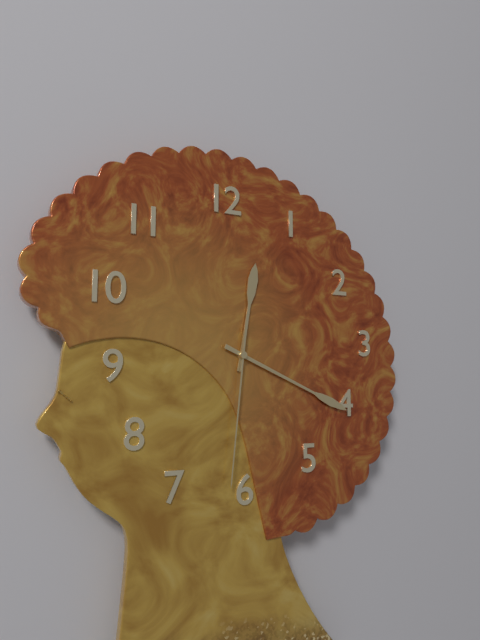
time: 12:19:31
